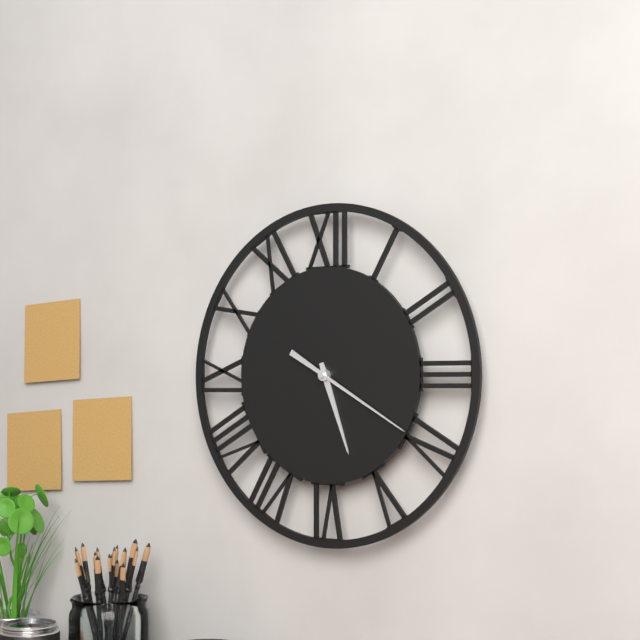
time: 5:20
